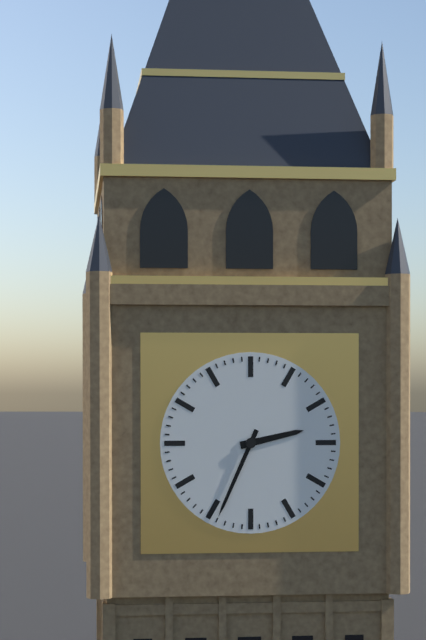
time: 2:34
